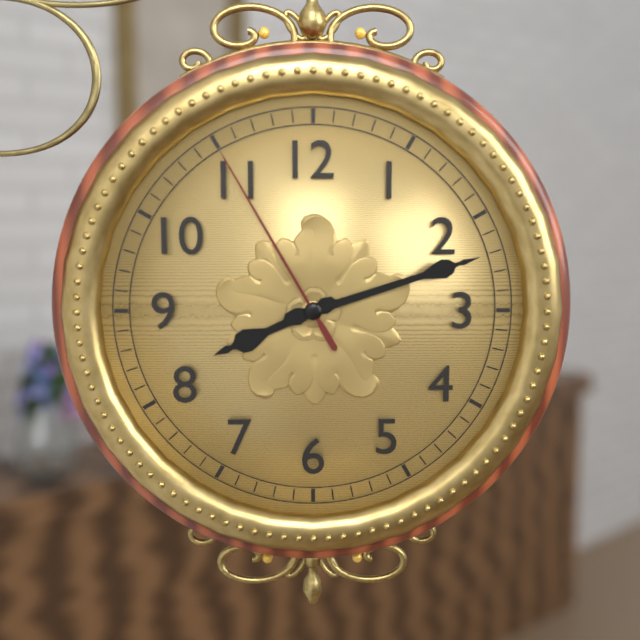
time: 8:12:55
